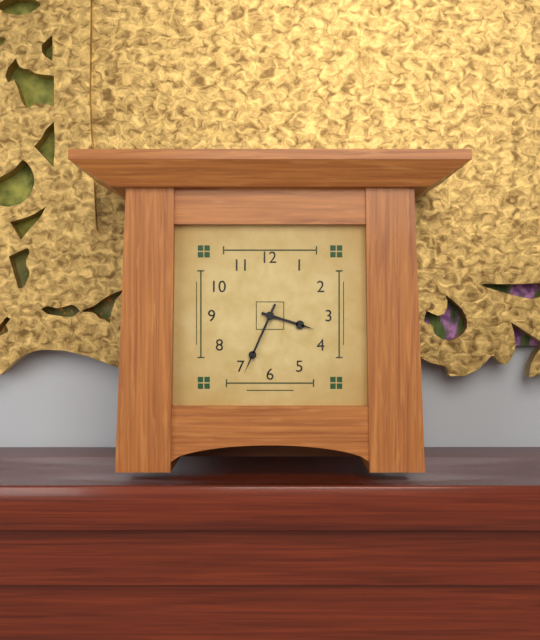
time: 3:34
